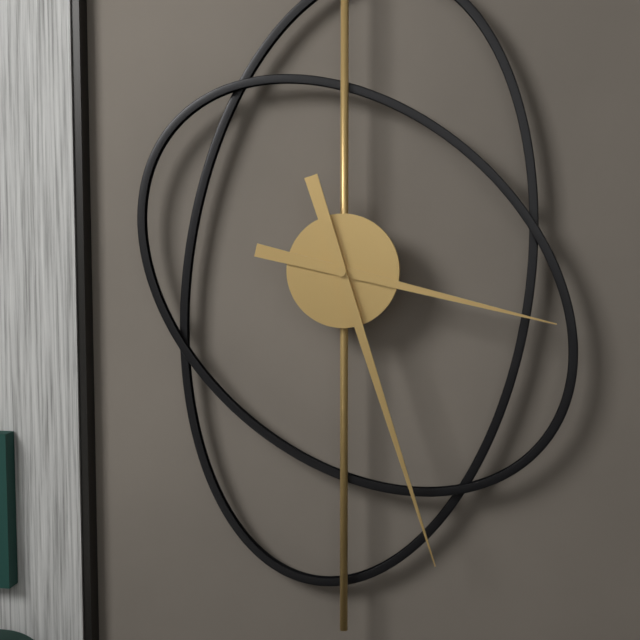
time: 3:27
